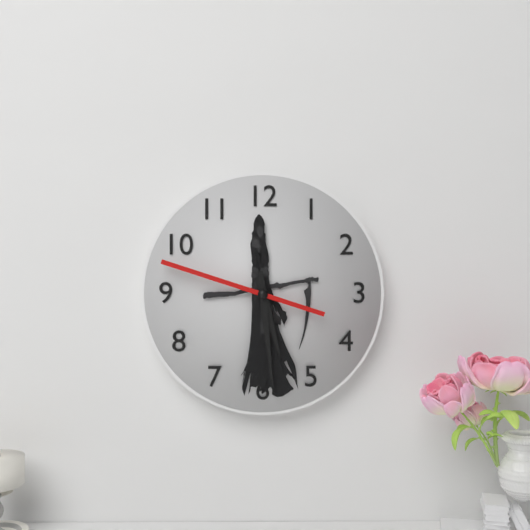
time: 5:29:48
